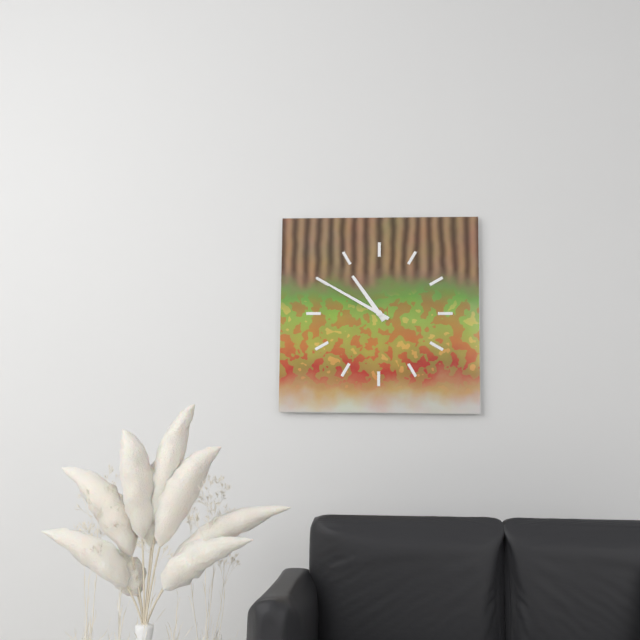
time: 10:50
